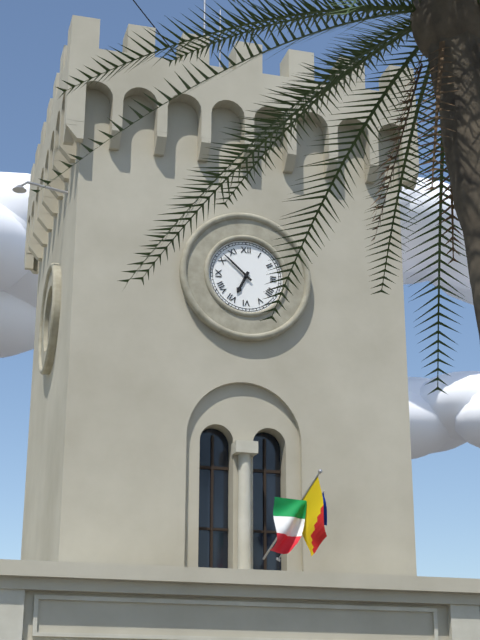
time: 6:52
